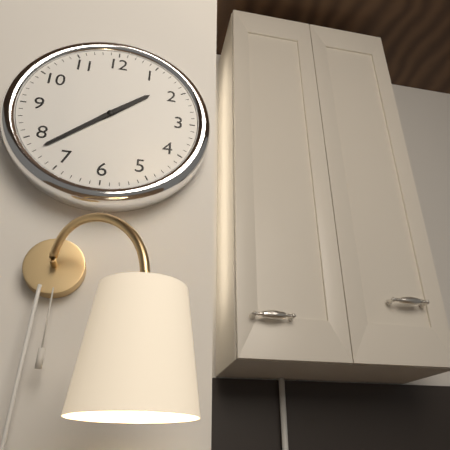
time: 1:38
